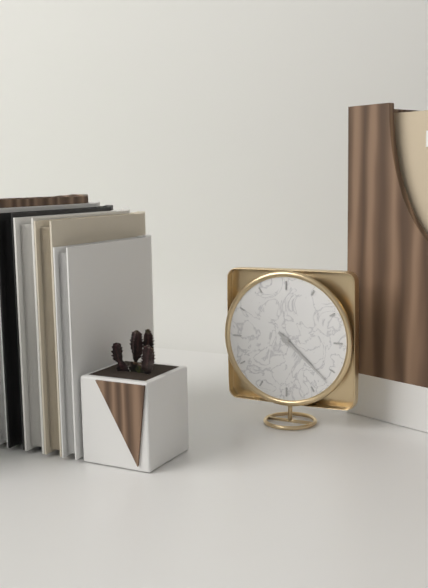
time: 4:22
